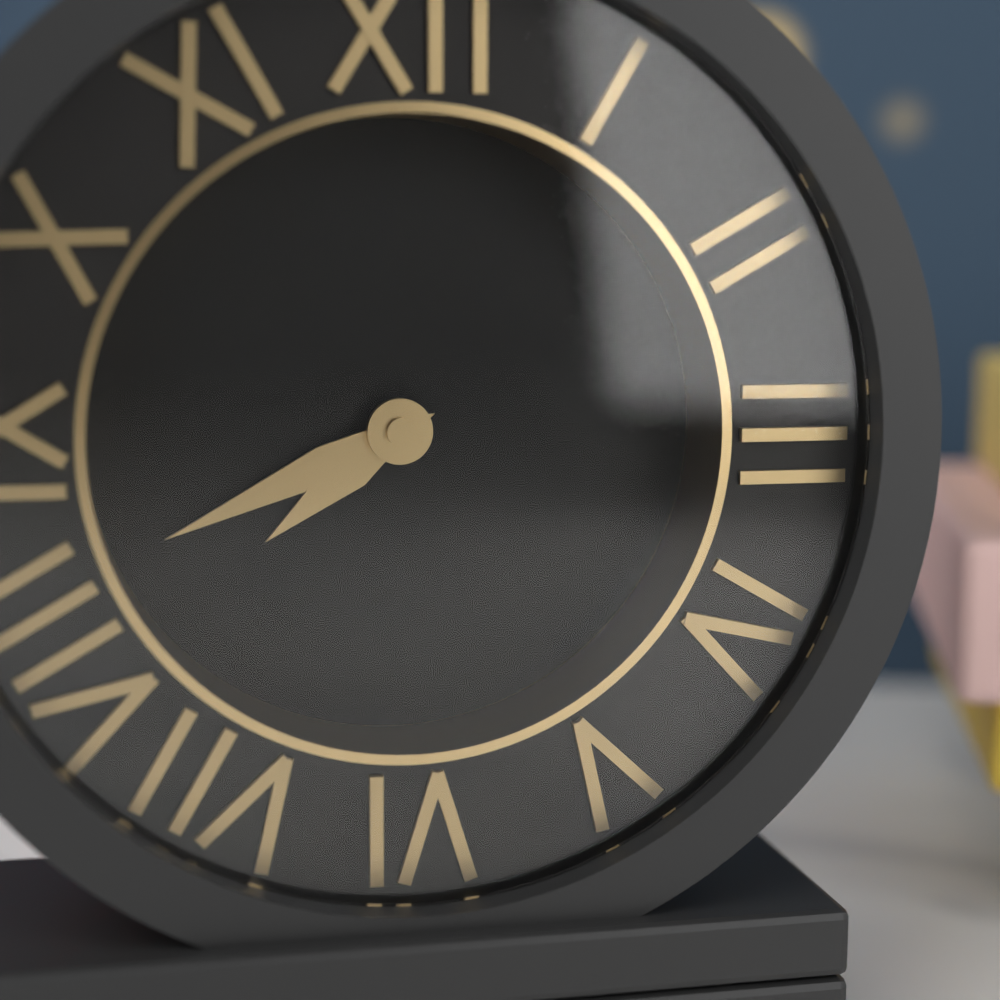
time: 7:41
